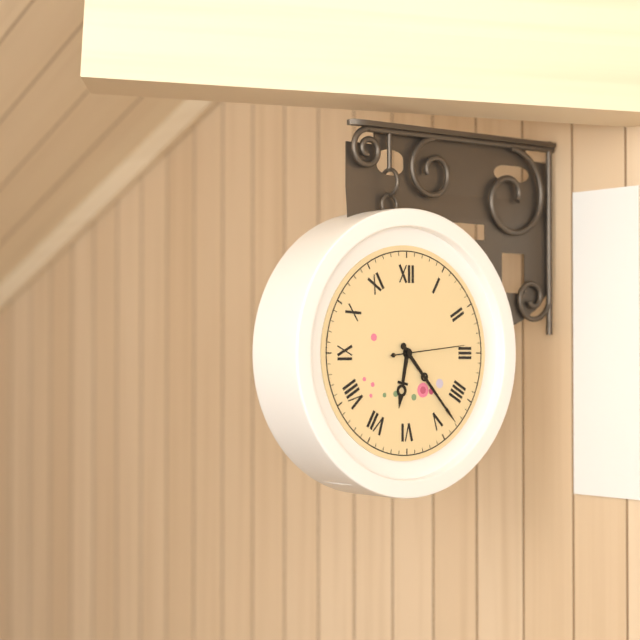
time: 6:23:14
